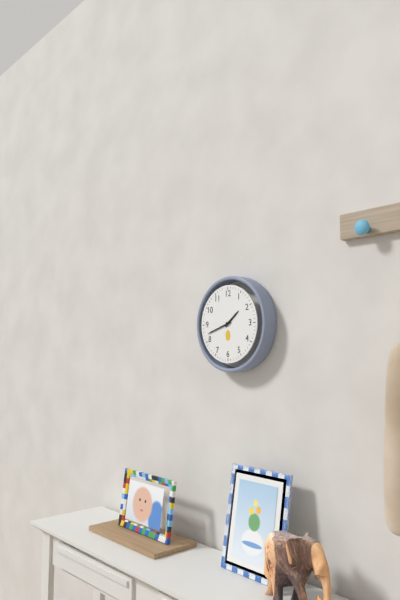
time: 1:42
